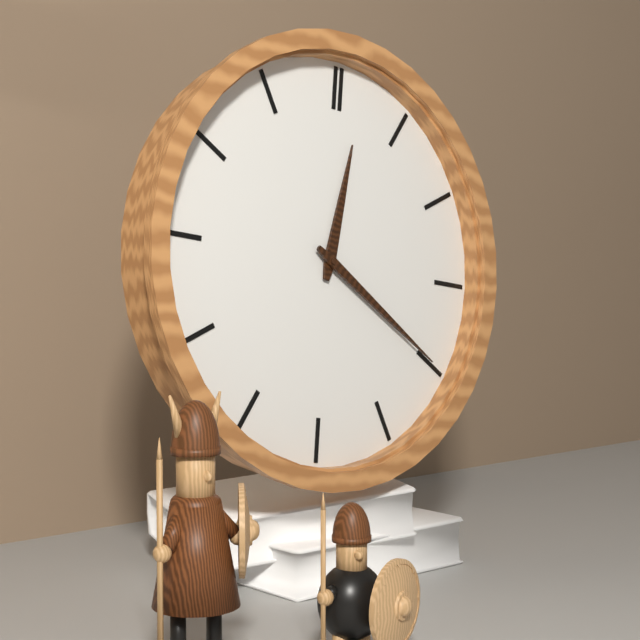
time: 12:20
